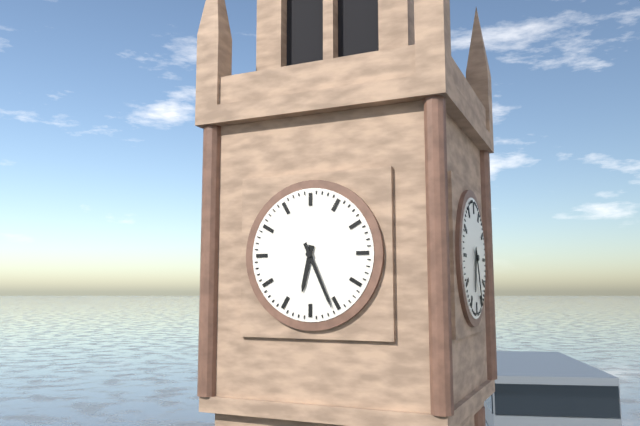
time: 6:26
